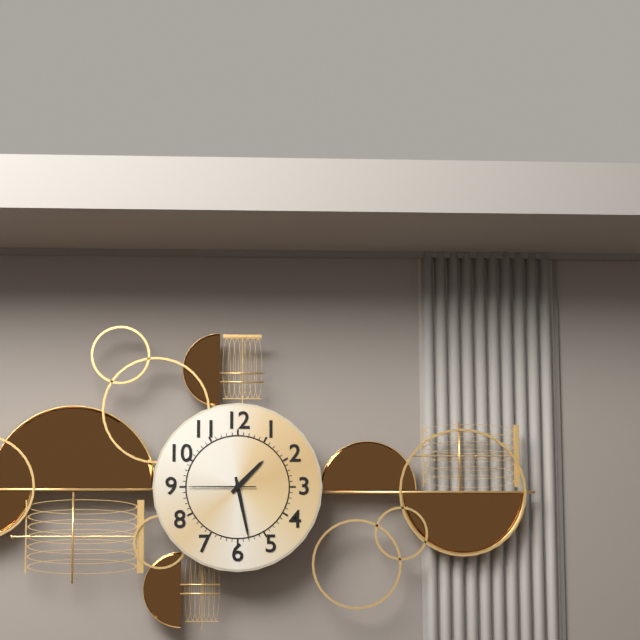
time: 1:28:45
